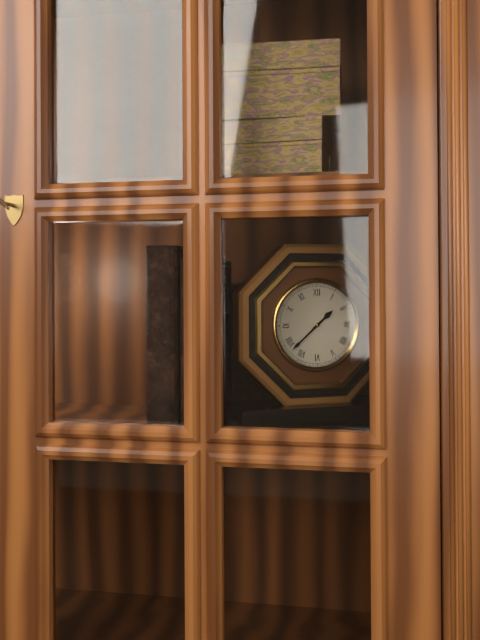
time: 1:38
